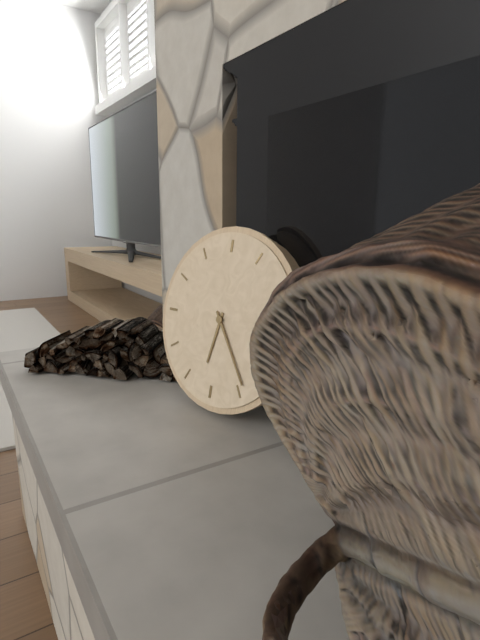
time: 6:24
